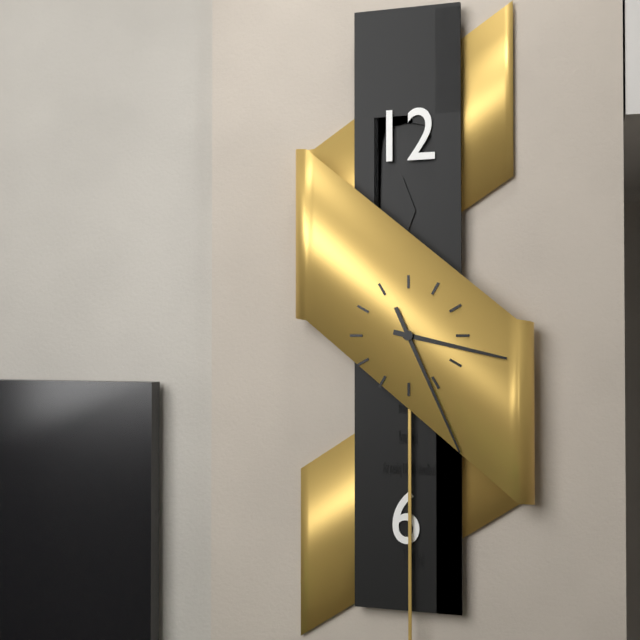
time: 3:26
